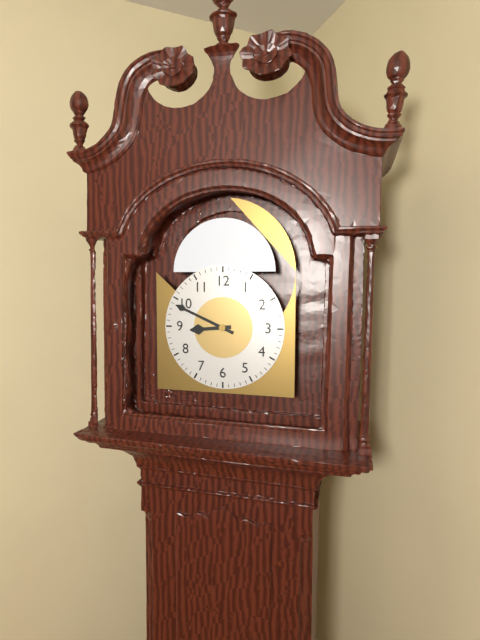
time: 8:49
